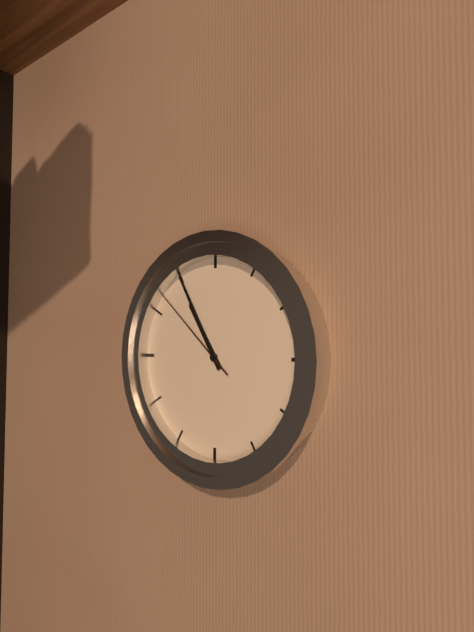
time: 10:55:52
